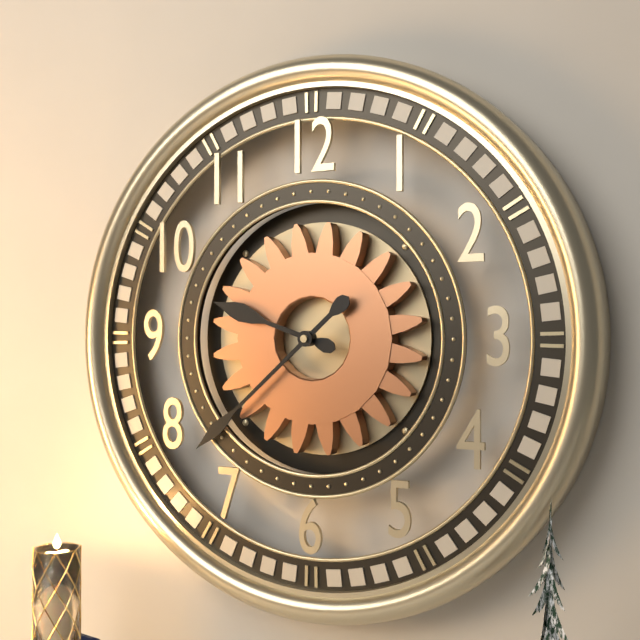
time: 9:38
